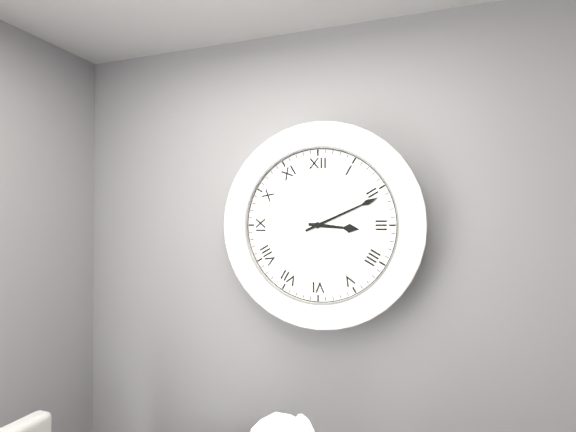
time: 3:11
